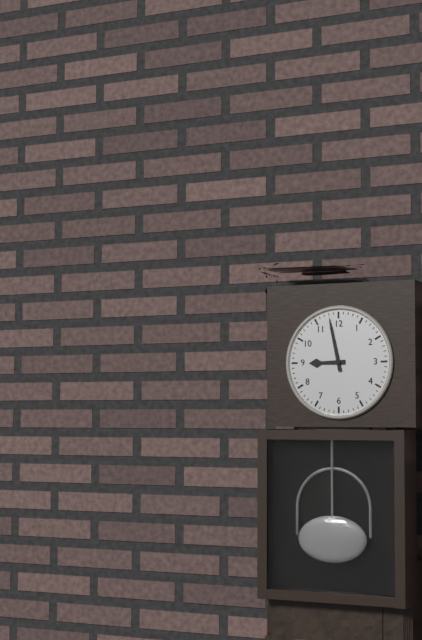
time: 8:58
